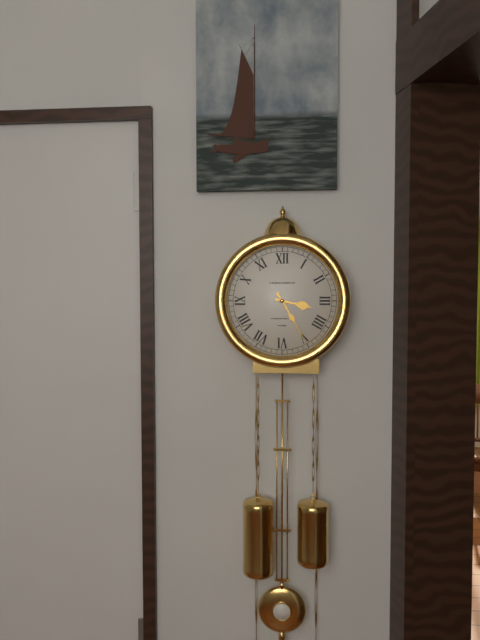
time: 3:25
